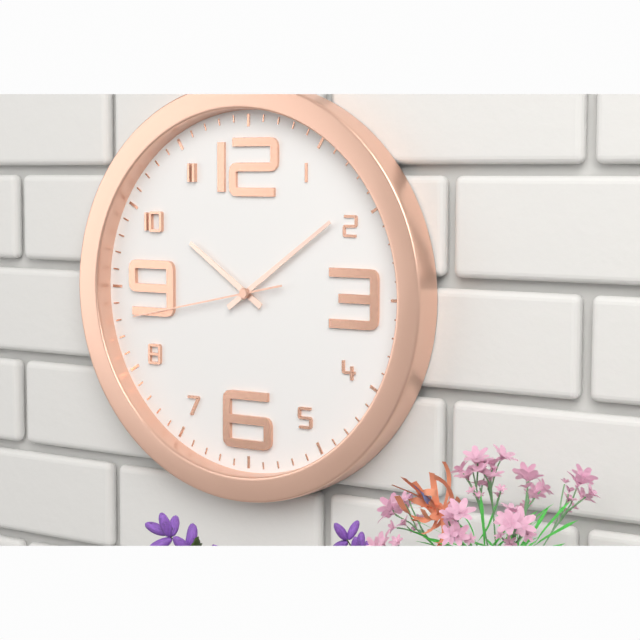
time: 10:09:43
